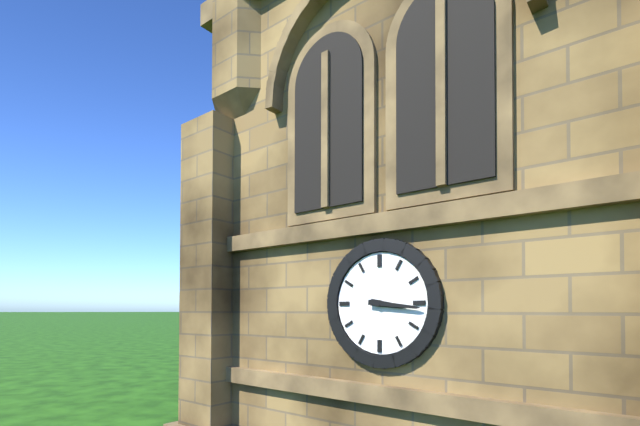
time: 3:16
